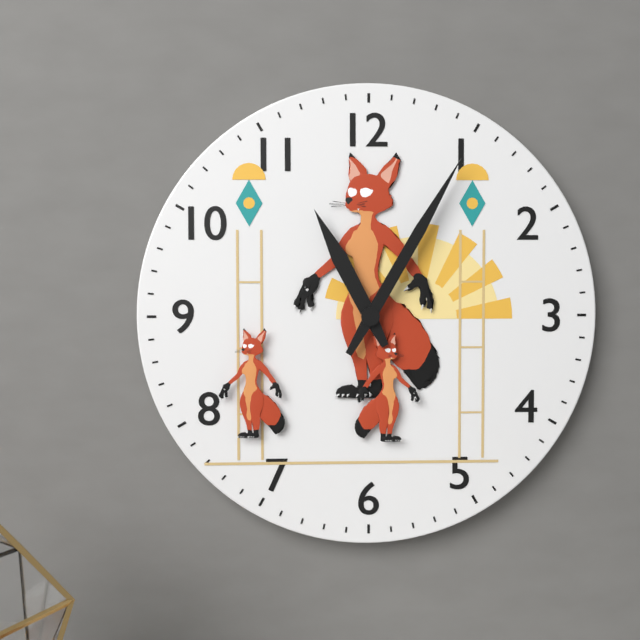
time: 11:05
